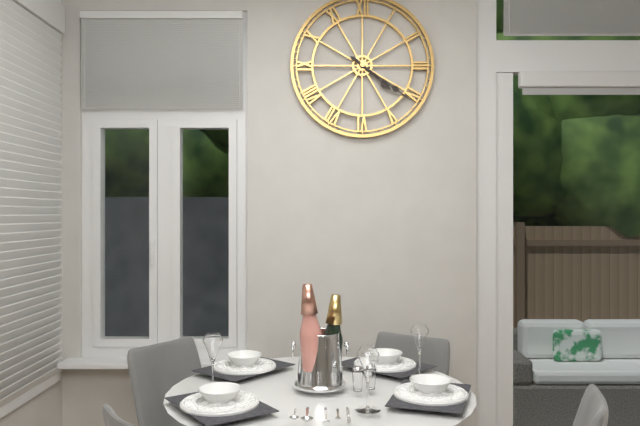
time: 4:21
